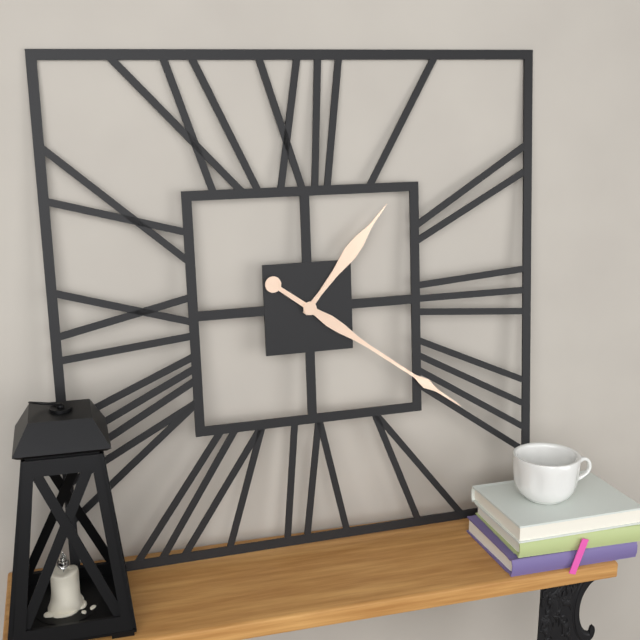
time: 1:21
